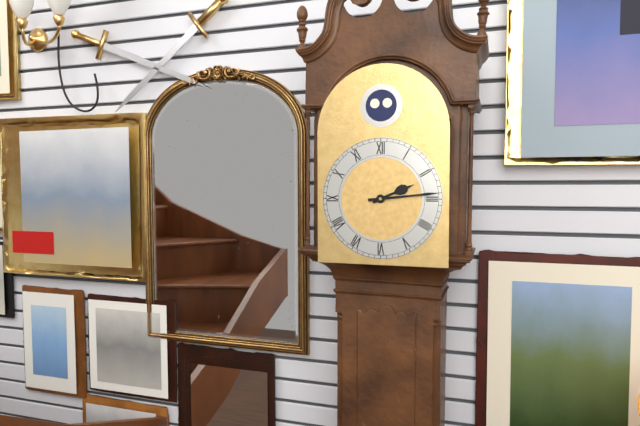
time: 2:14
